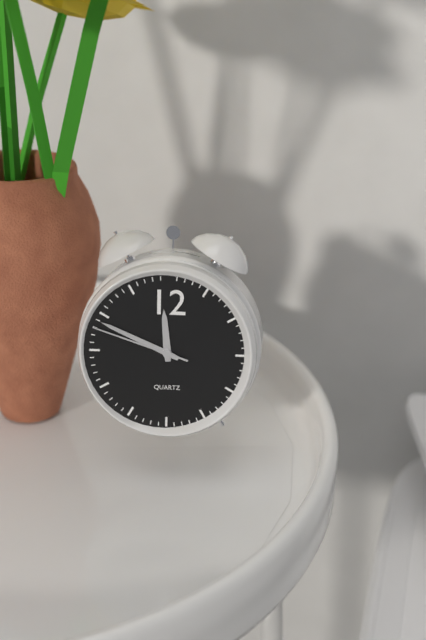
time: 11:49:48
